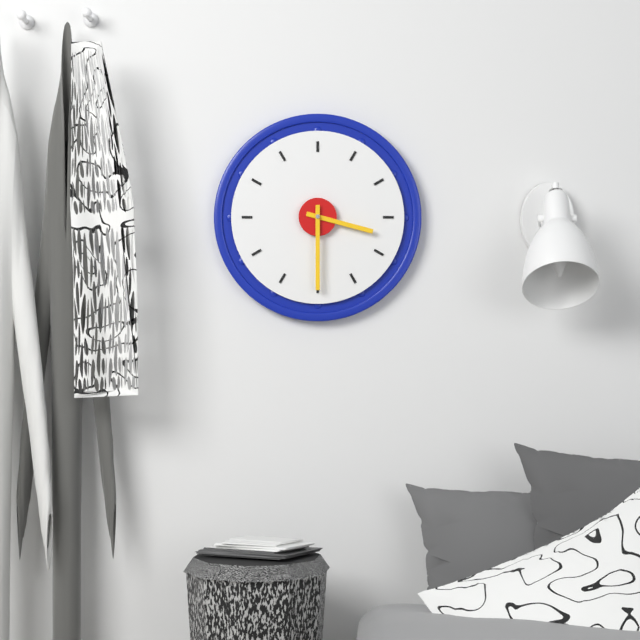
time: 3:30
